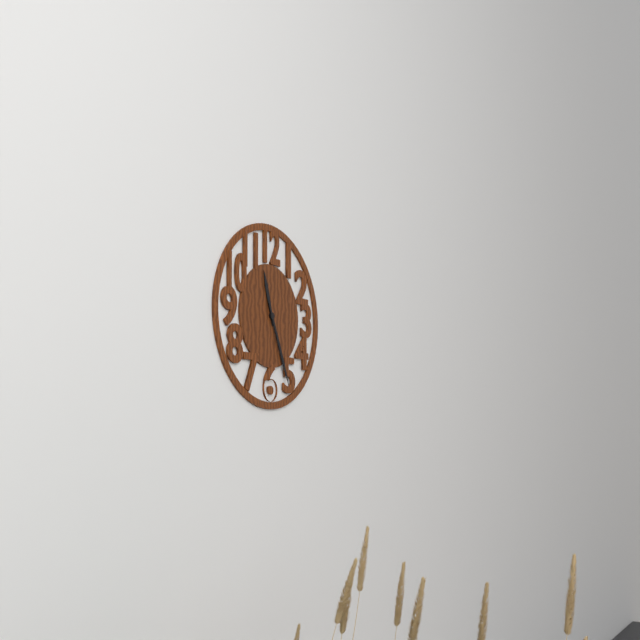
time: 11:26
